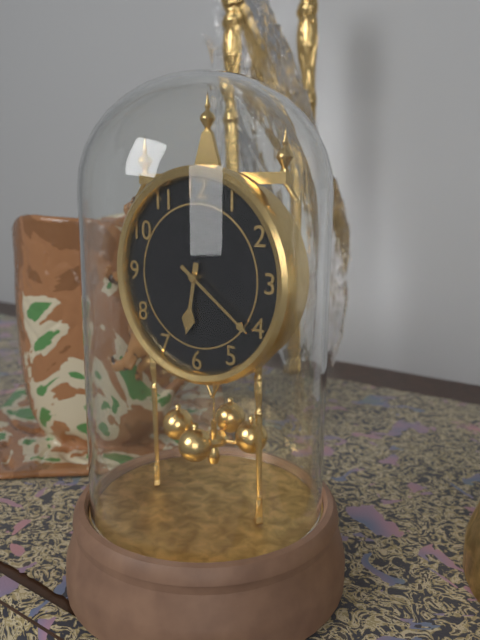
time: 6:21
